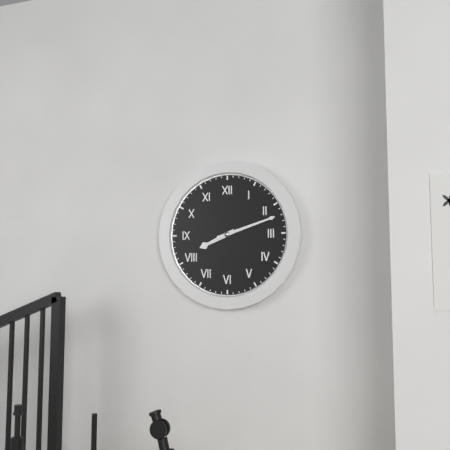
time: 8:12
